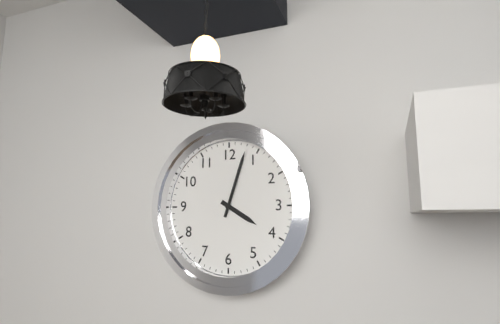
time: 4:03
